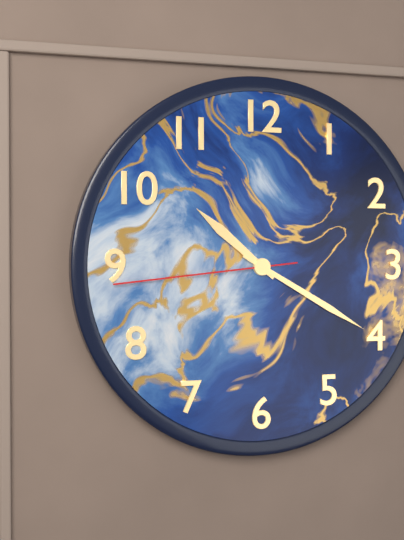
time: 10:20:44
